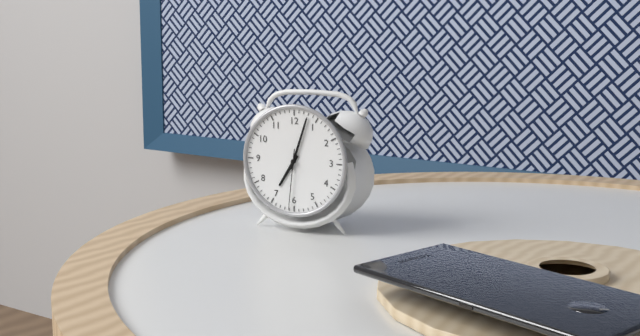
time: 7:03:31
